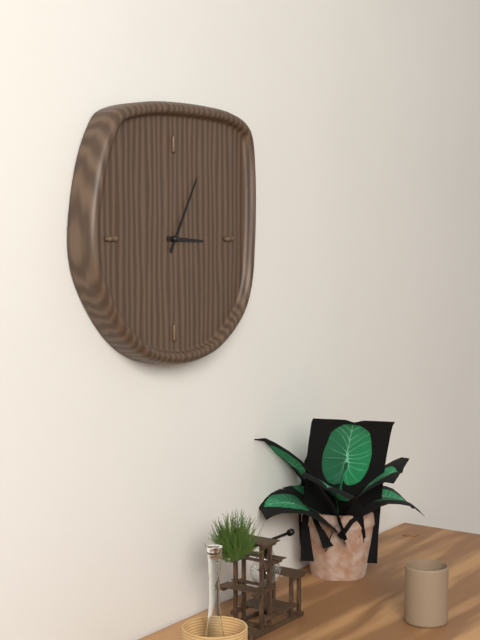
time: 3:05
